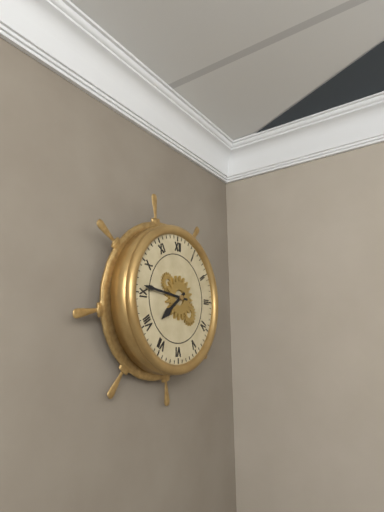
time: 7:46
